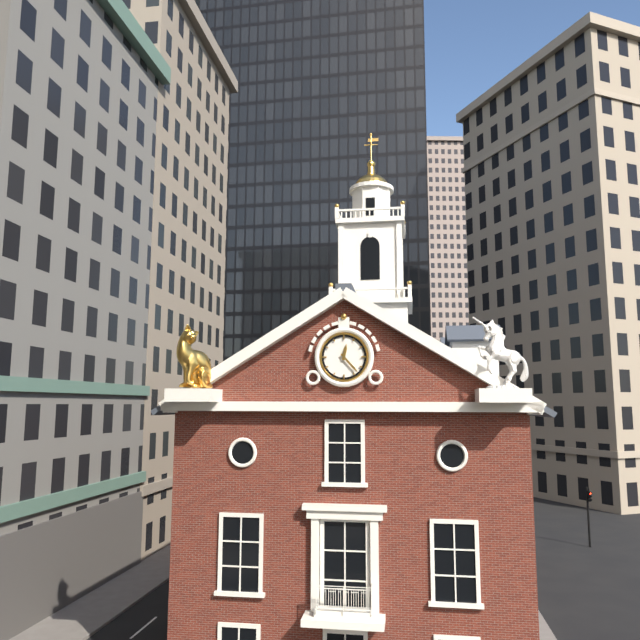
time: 12:23
